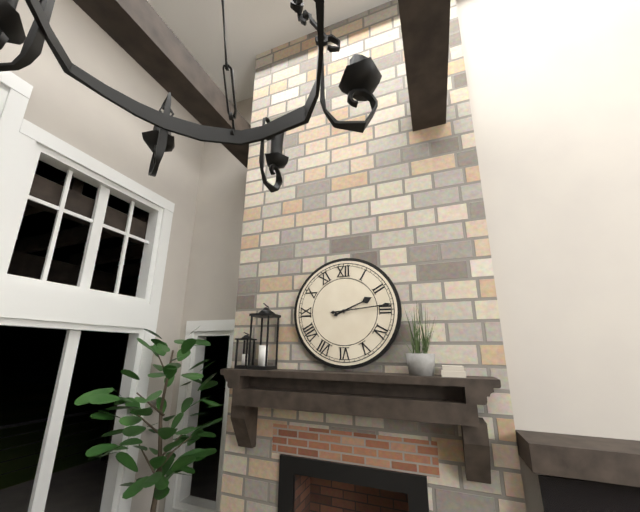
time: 2:14
